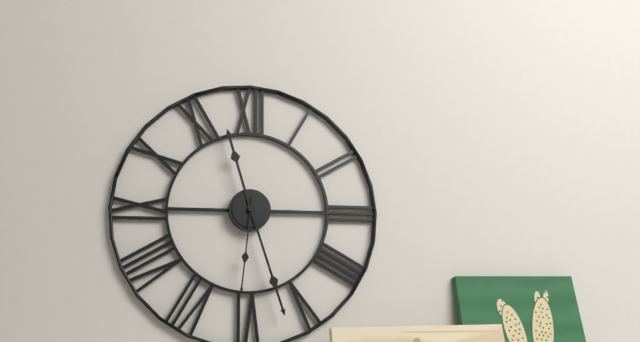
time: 11:27:31
